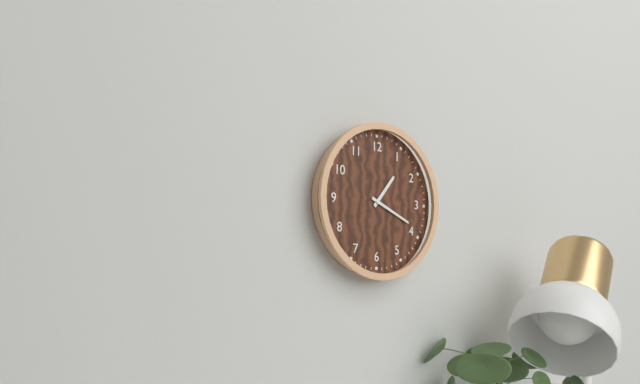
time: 1:19
